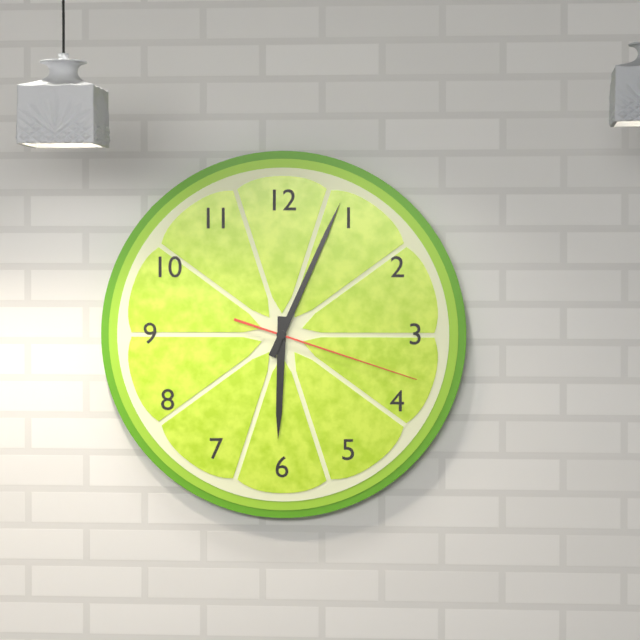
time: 6:04:18
